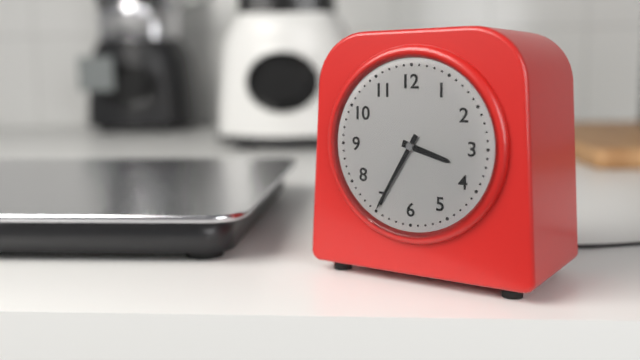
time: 3:35
